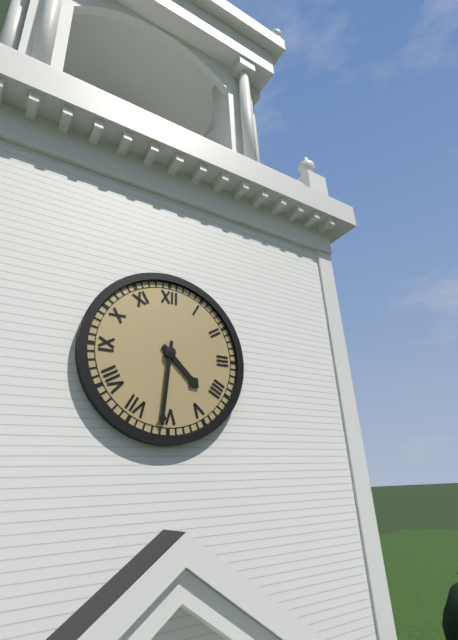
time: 4:31
